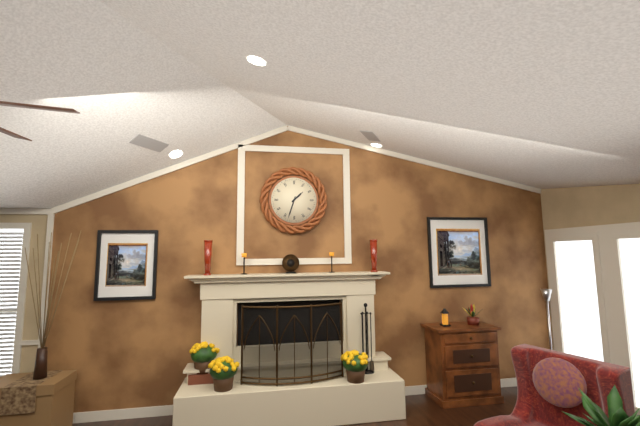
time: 1:33
